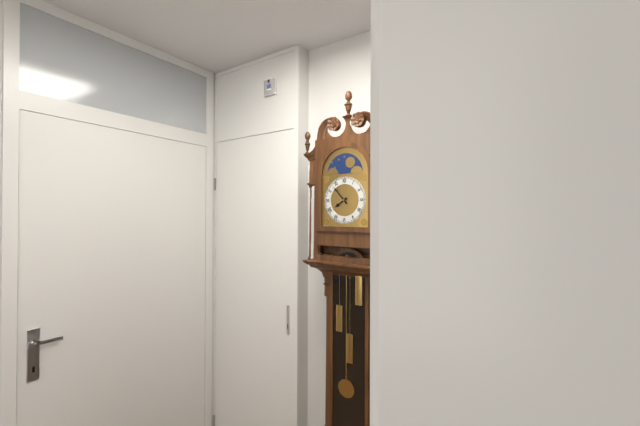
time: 7:53
